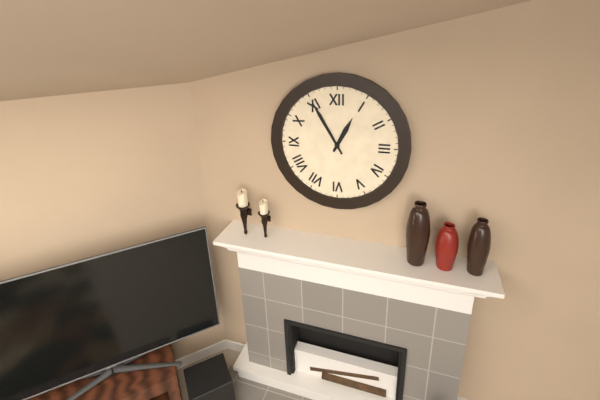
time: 12:55
